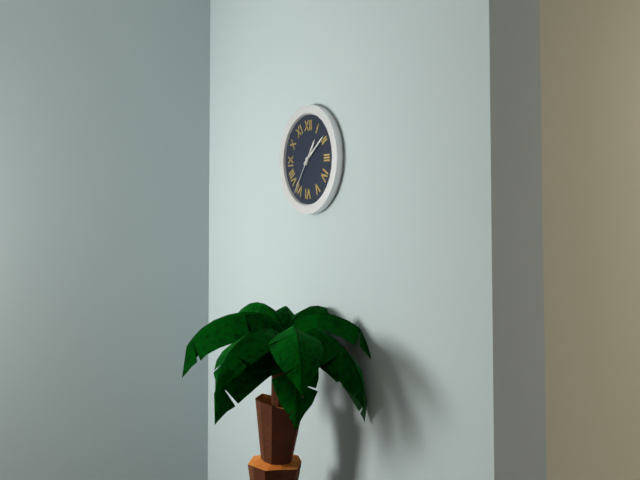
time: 1:09
